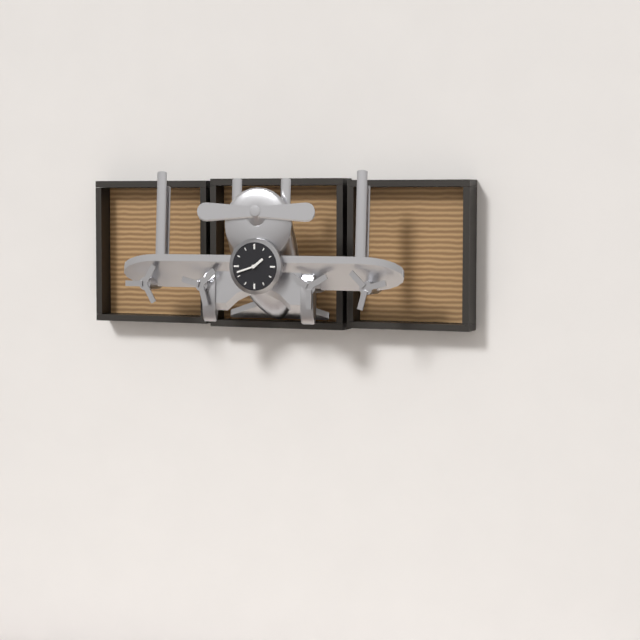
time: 1:42
